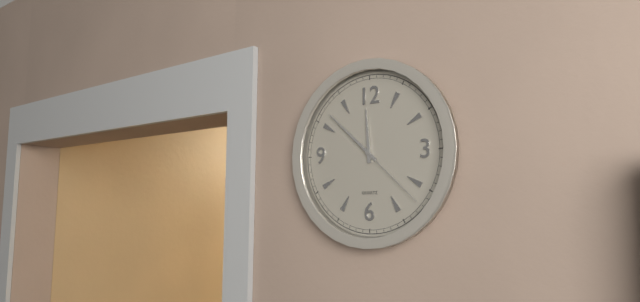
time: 11:52:22
